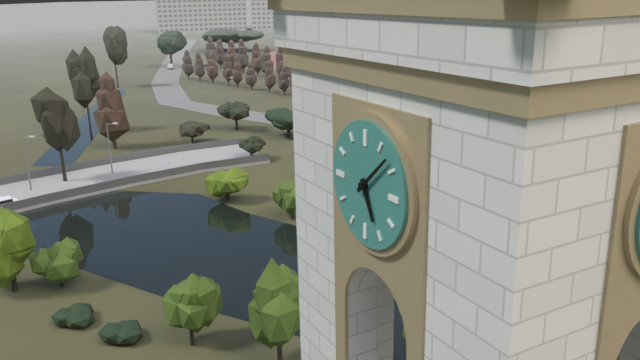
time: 5:08
